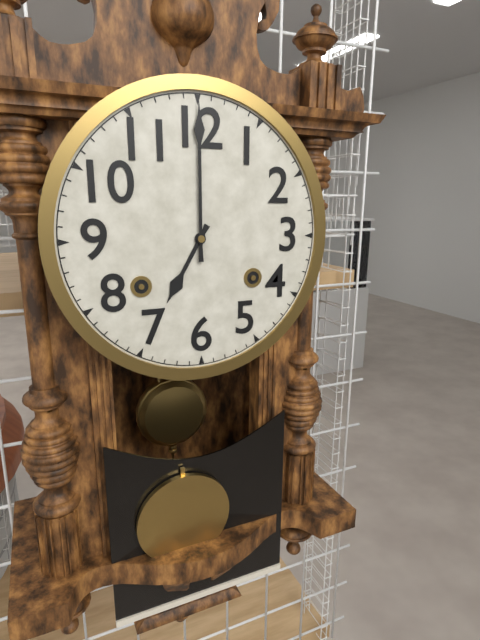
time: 7:00
